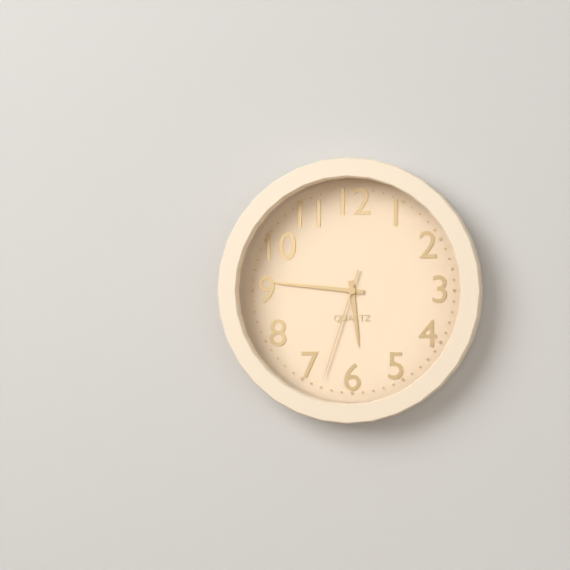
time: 5:46:33
